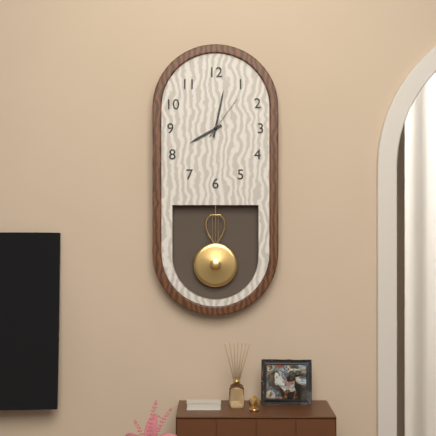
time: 8:02
